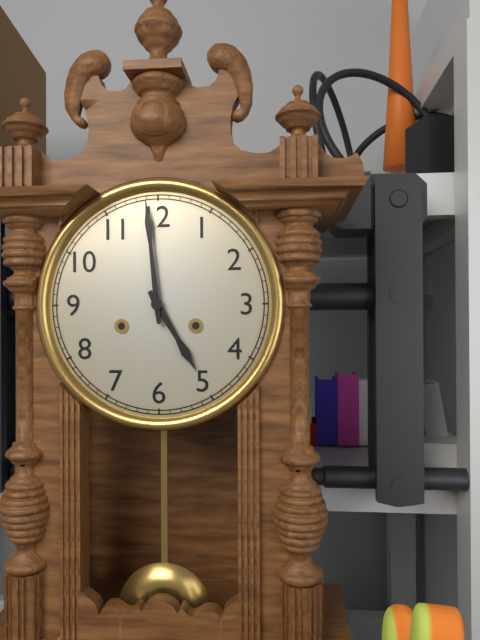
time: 4:59
